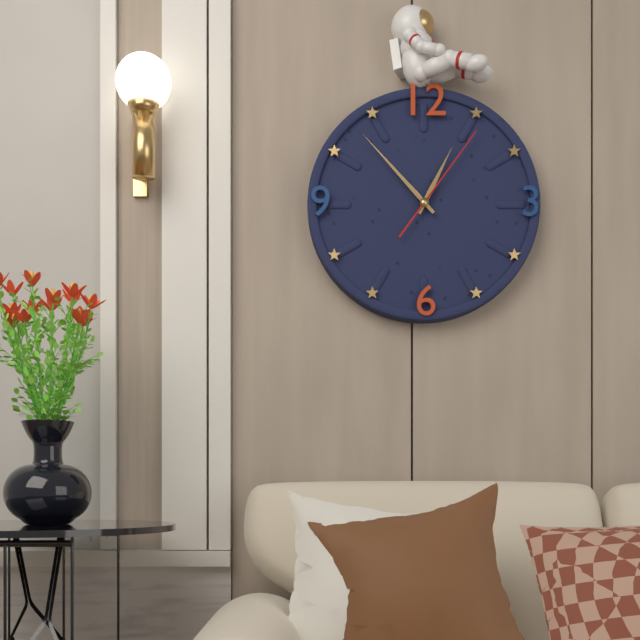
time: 12:53:06
